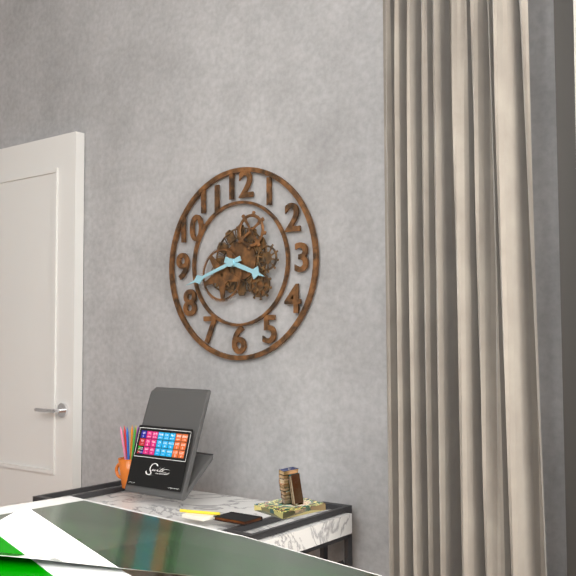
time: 3:42
